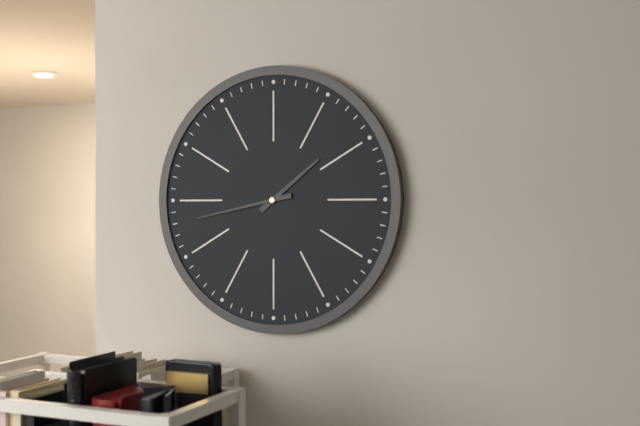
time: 1:43
